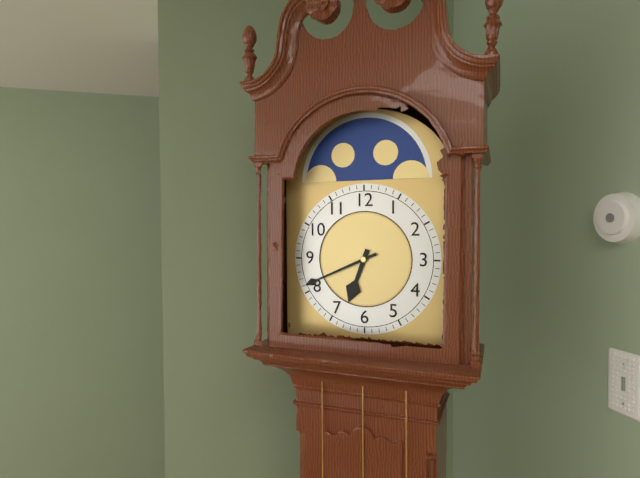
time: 6:41
